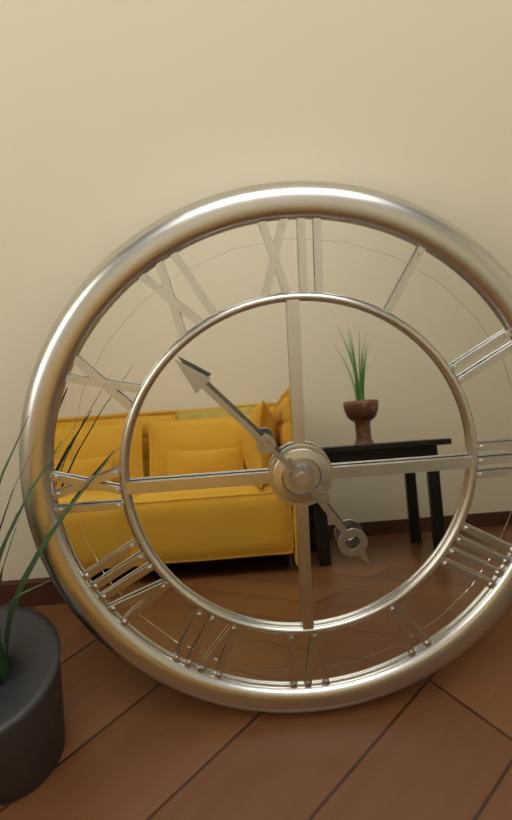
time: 4:53
